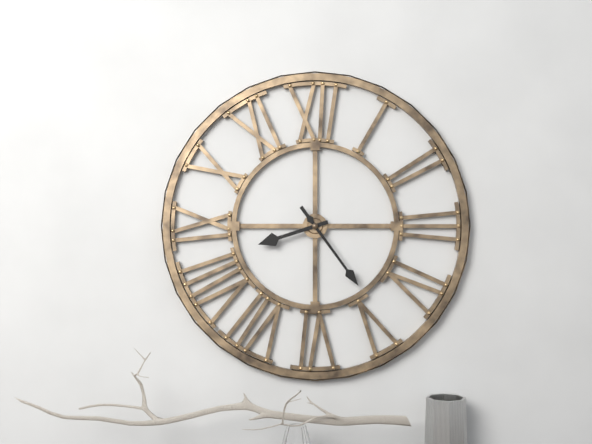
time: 8:24
